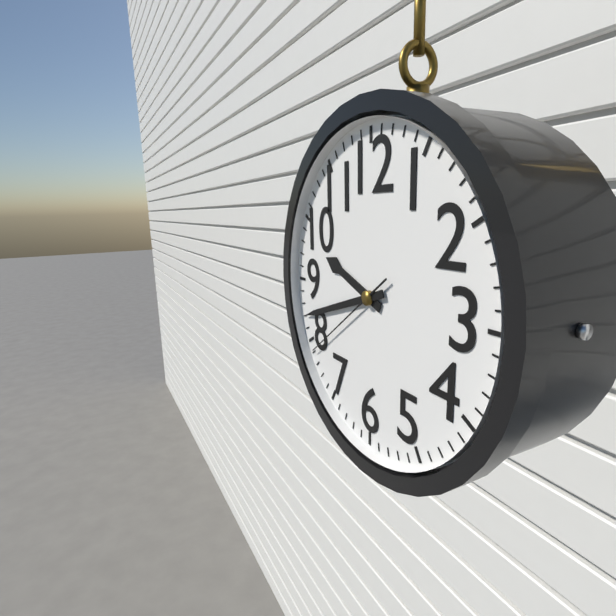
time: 9:42:39
